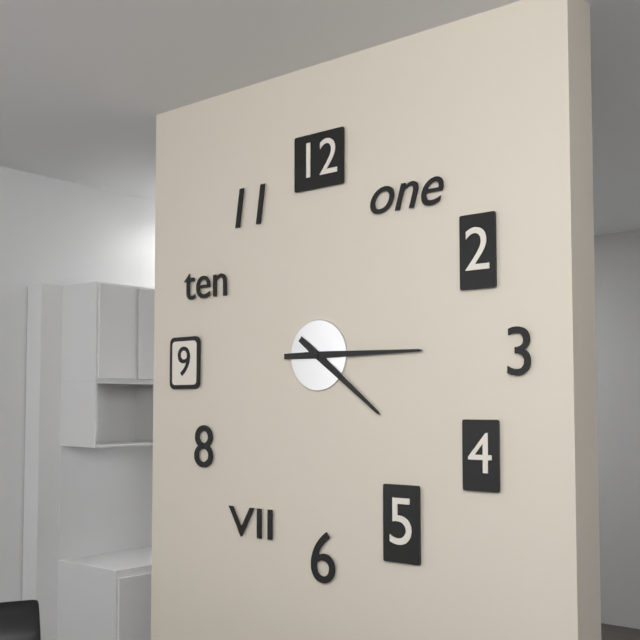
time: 4:15
